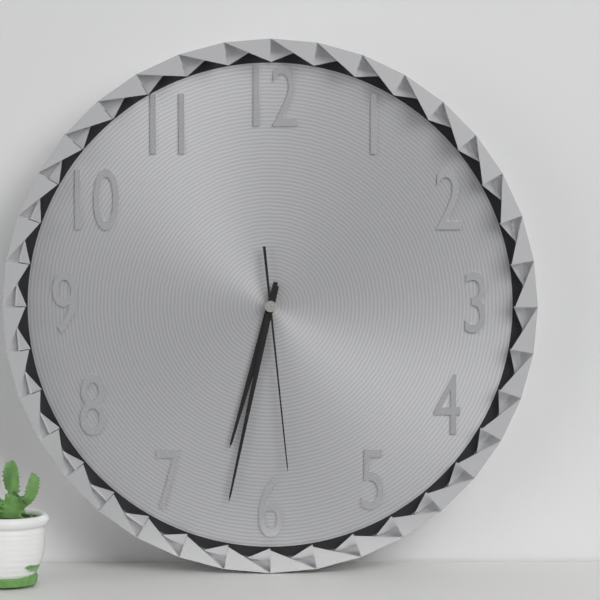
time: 6:32:29
